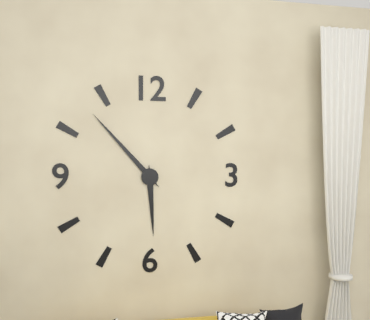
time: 5:53
